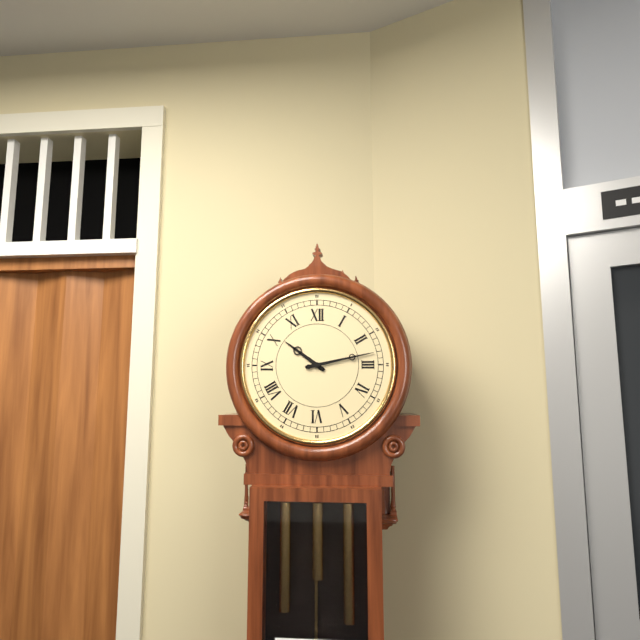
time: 10:13
